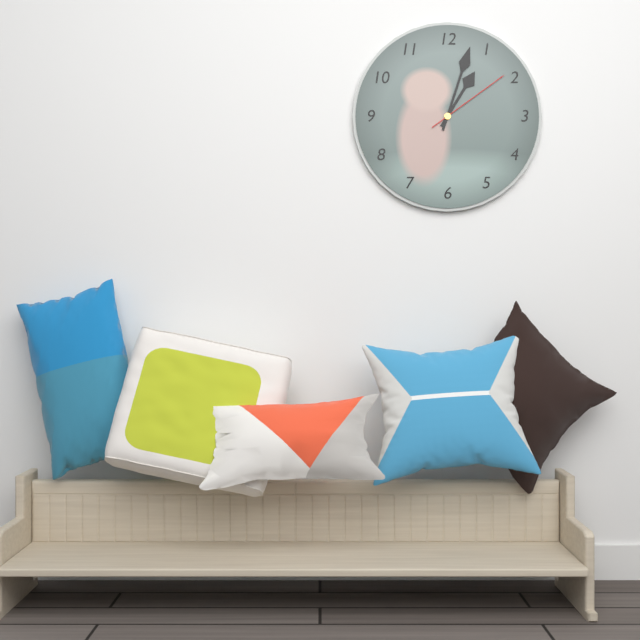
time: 1:03:09
